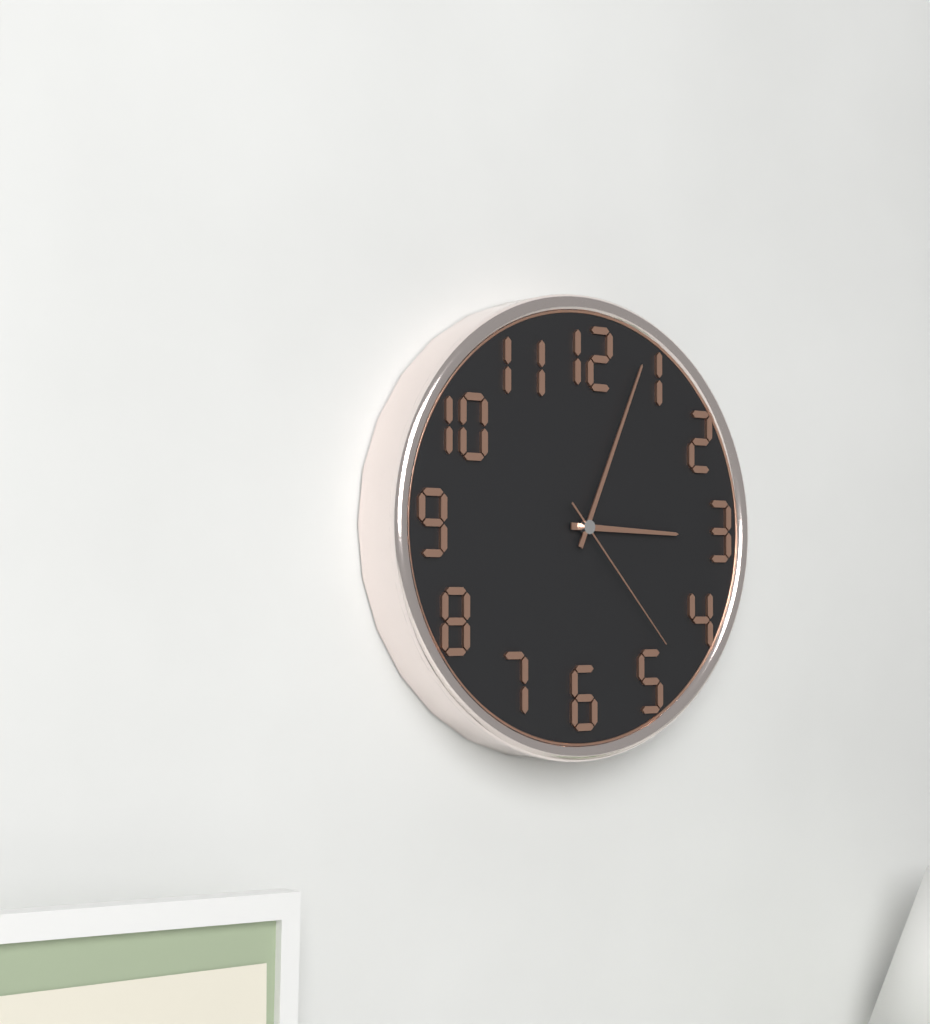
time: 3:04:23
